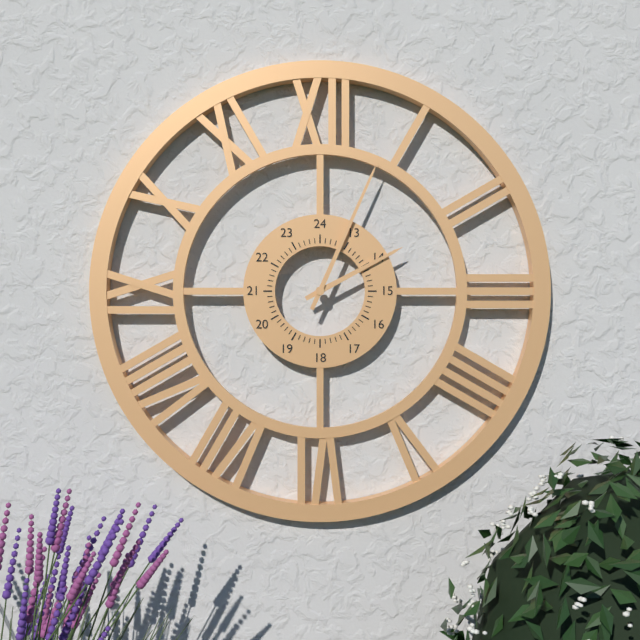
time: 2:04
